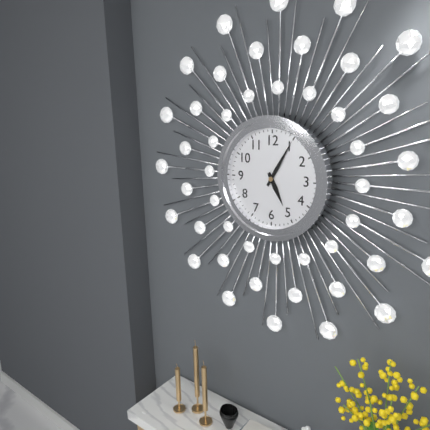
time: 5:05
